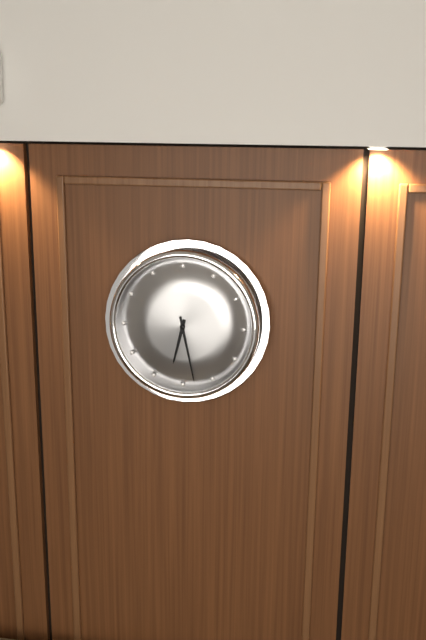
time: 6:28
